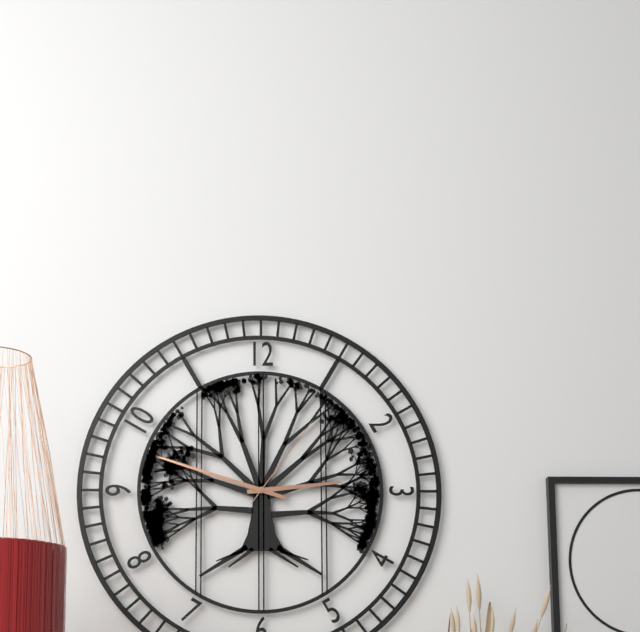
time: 2:48:06
